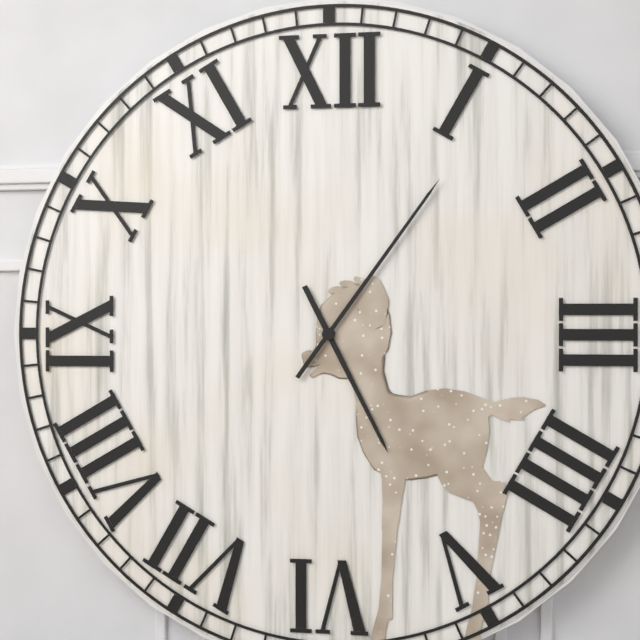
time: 5:06
